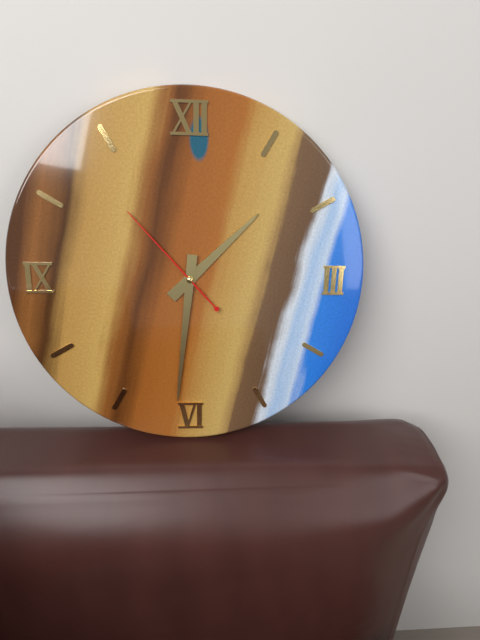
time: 1:31:53
